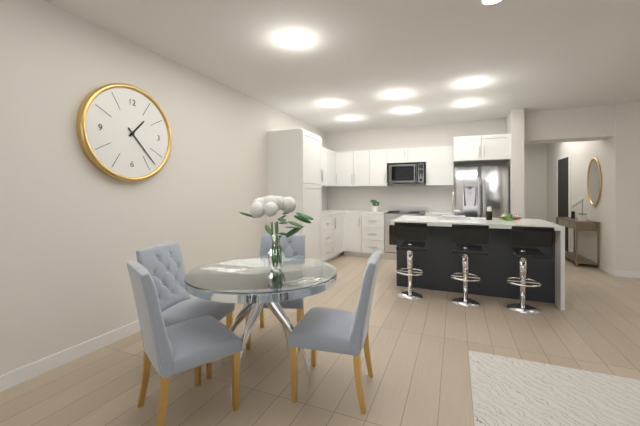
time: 1:23
